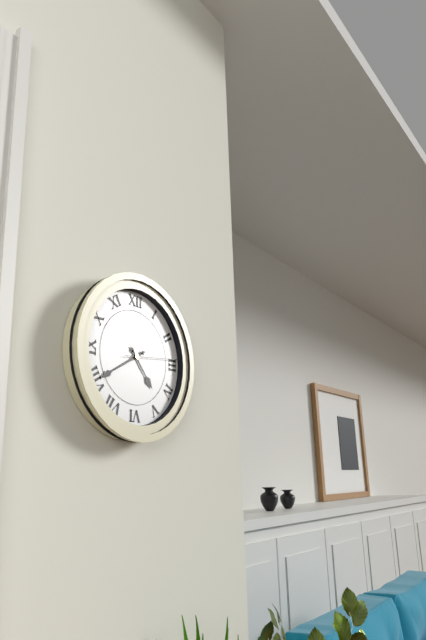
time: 4:40:14
